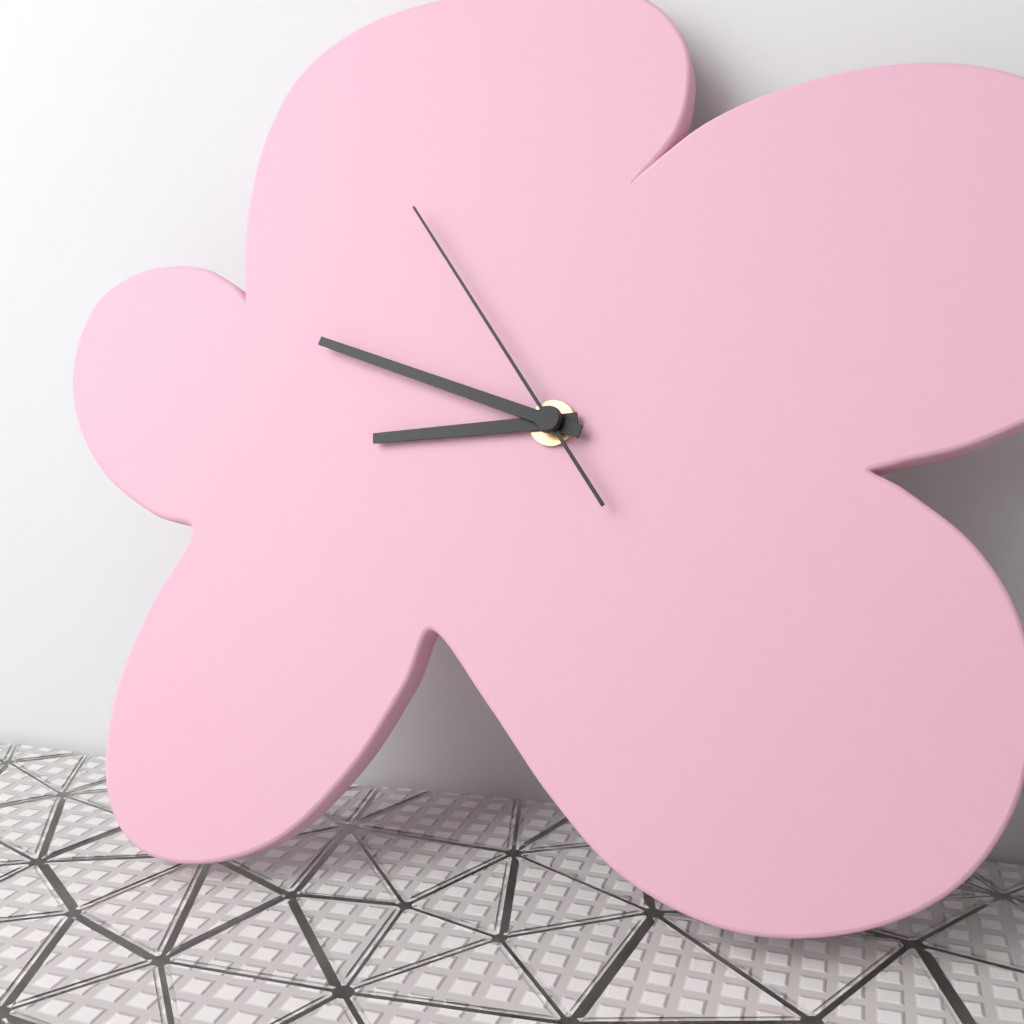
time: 8:48:54
